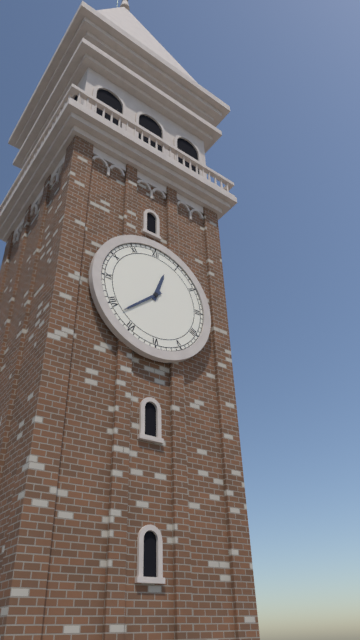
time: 12:38
